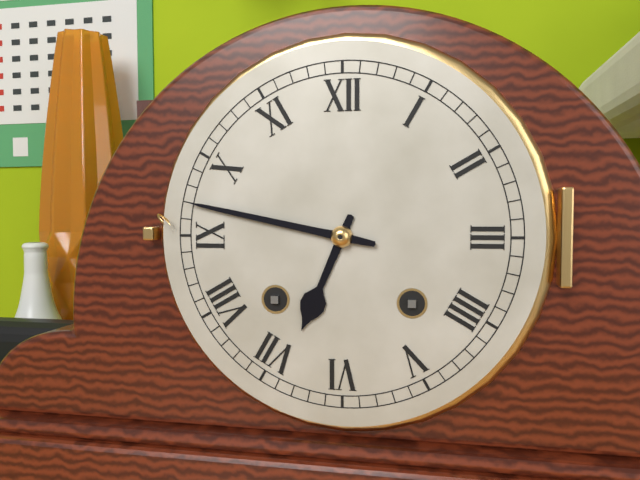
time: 6:47
